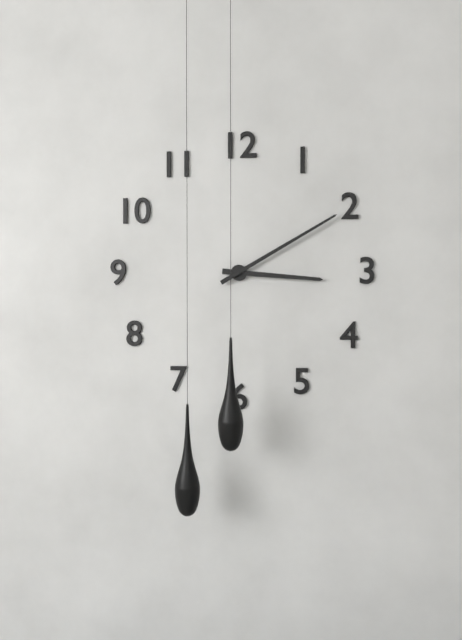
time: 3:10
